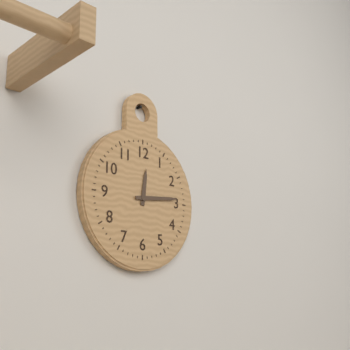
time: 12:14
